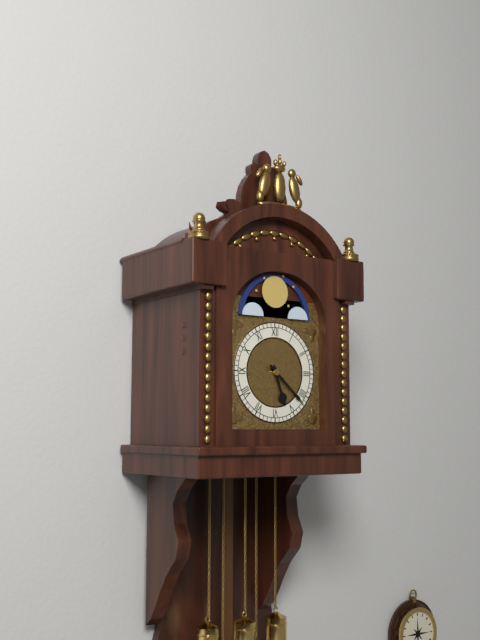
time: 5:22
